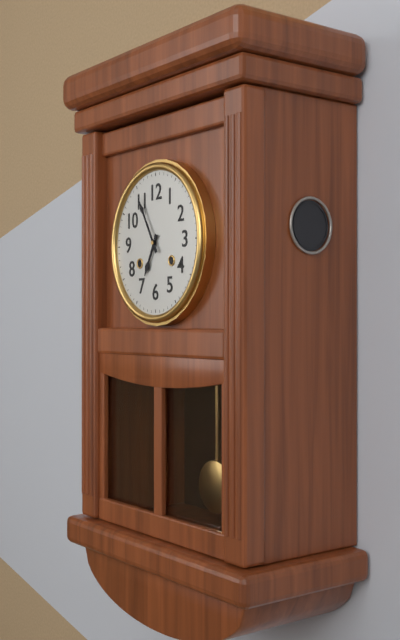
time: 6:55
